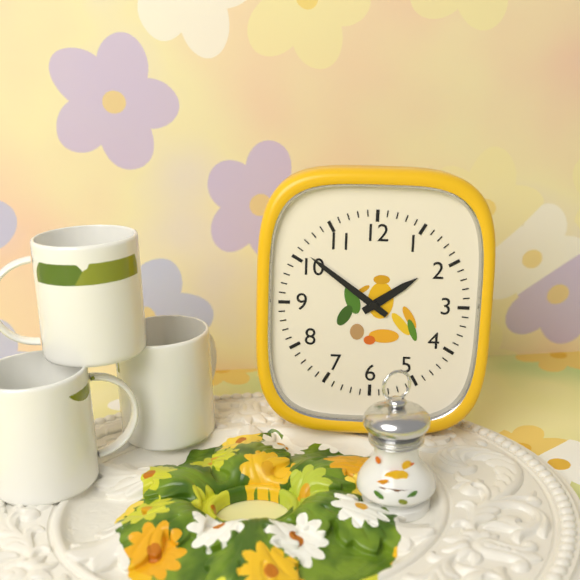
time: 1:51
